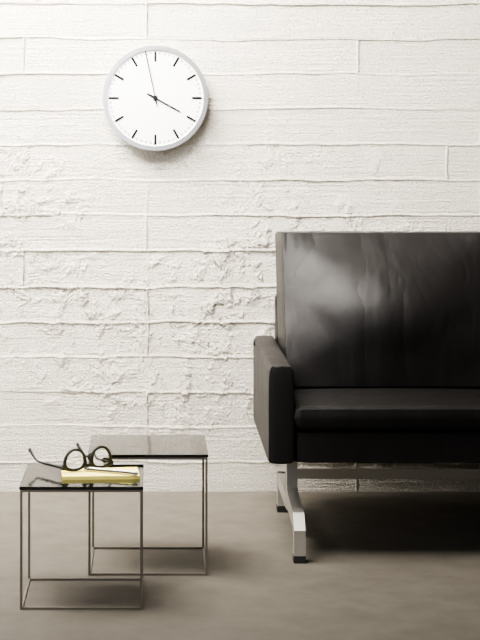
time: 3:58
